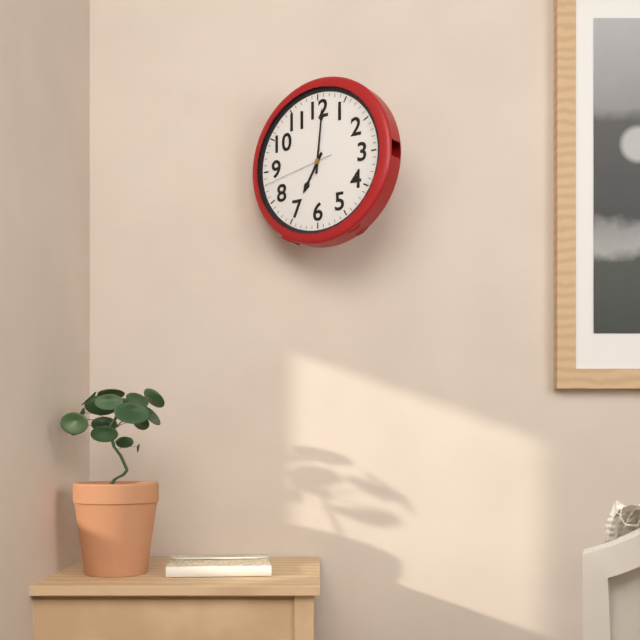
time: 7:01:43
